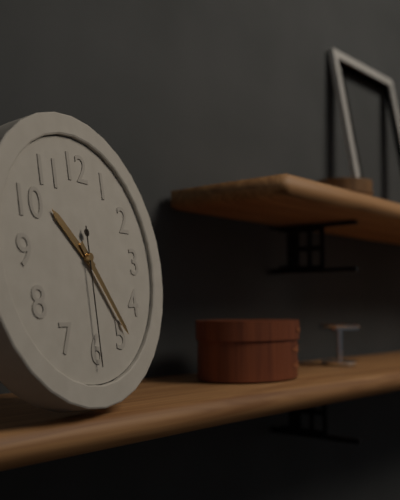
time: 10:24:30
